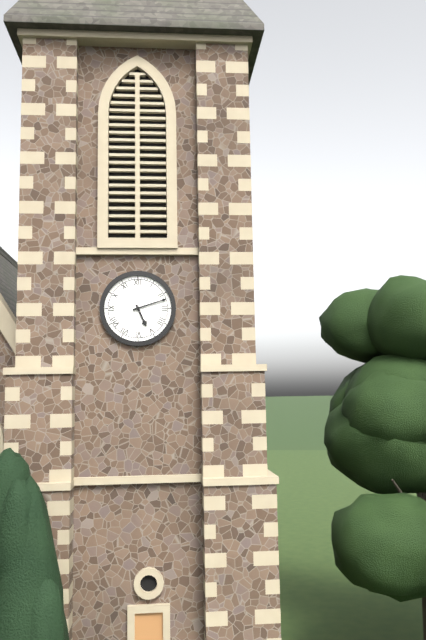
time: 5:12
